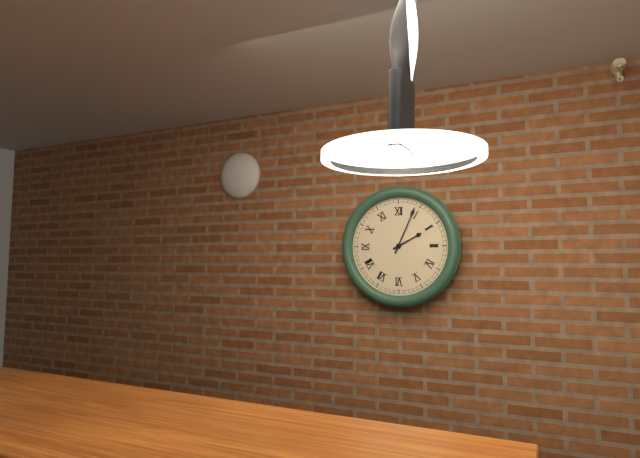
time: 2:04
